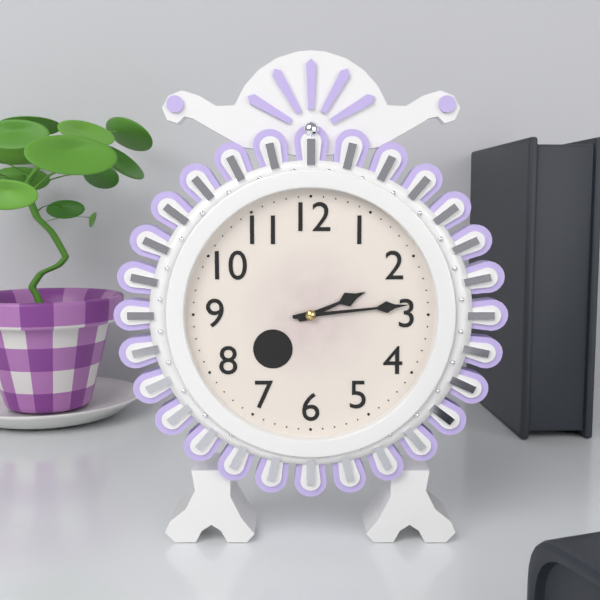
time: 2:14
